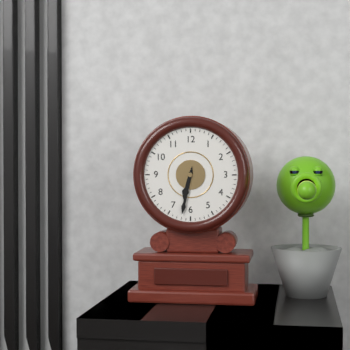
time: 6:32
